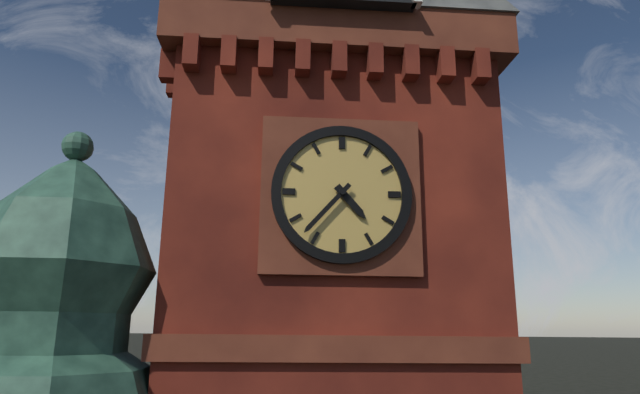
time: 4:37
